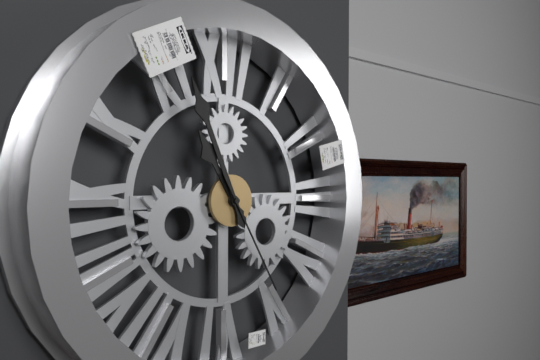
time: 10:56:25
